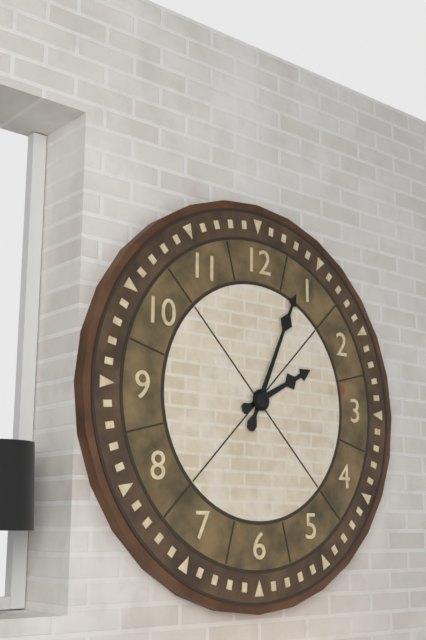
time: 2:04
